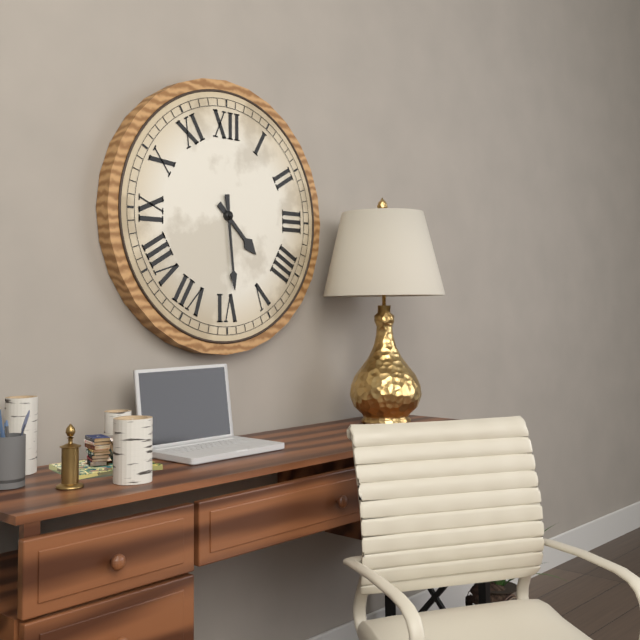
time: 4:29
